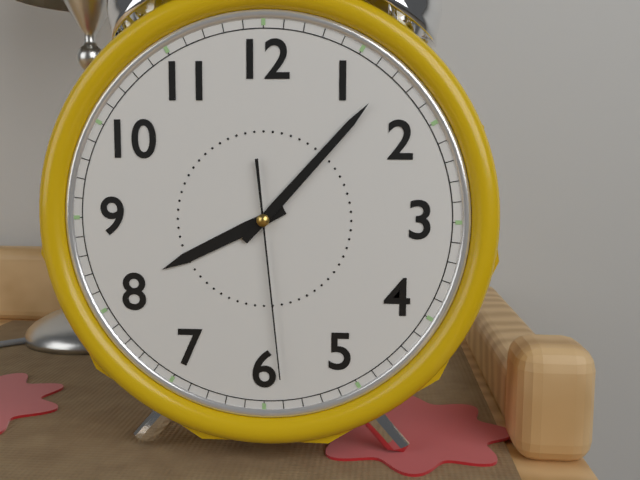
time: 8:07:29
